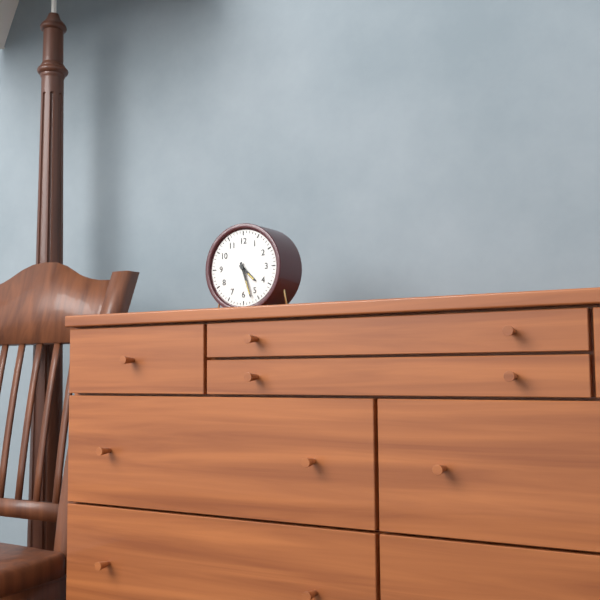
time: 4:27
